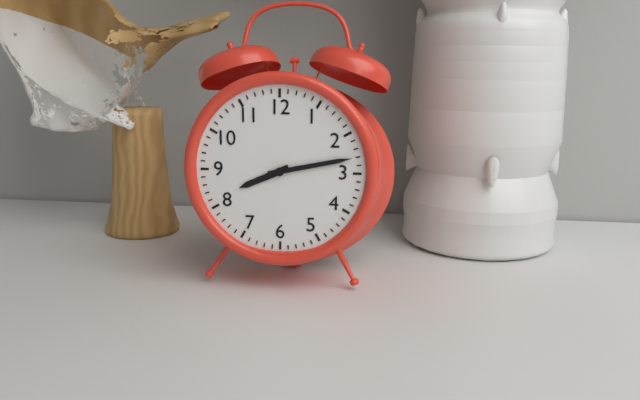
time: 8:13
